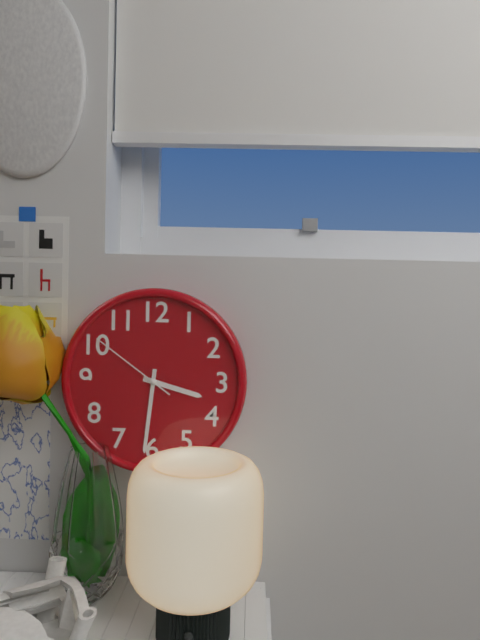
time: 3:31:51
